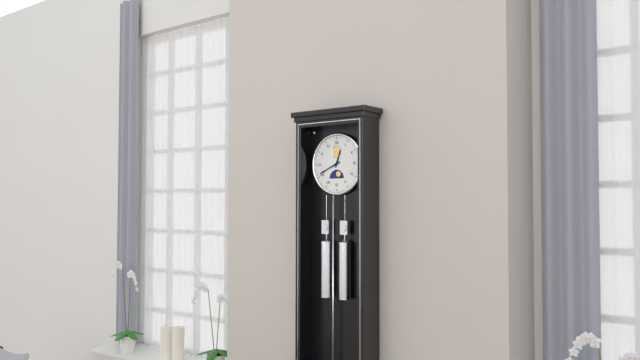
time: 12:41
